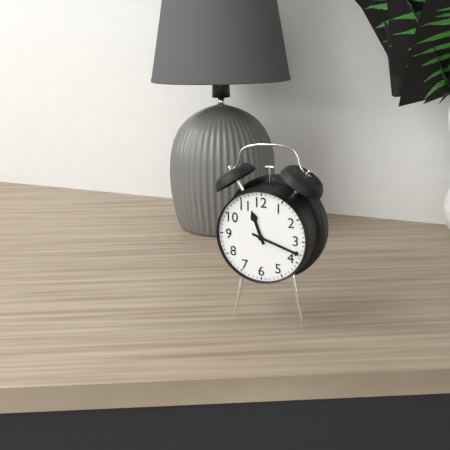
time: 11:18
